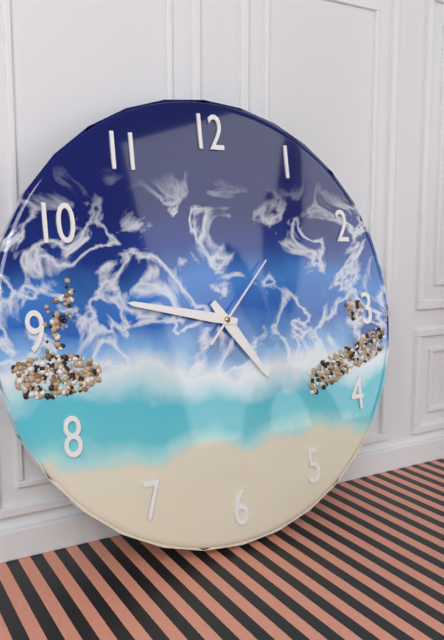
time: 4:47:07
